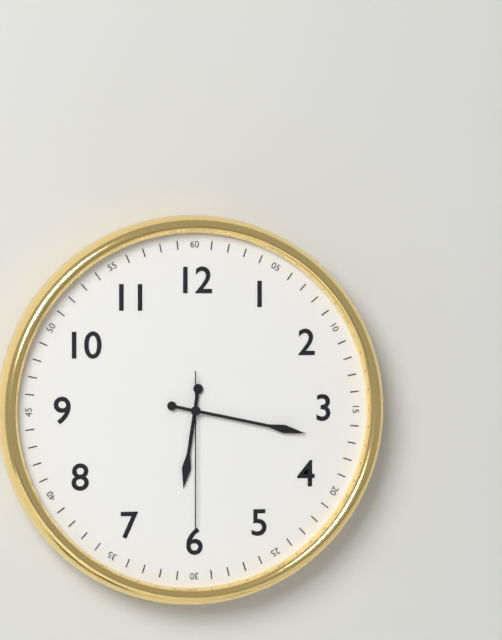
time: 6:17:30
